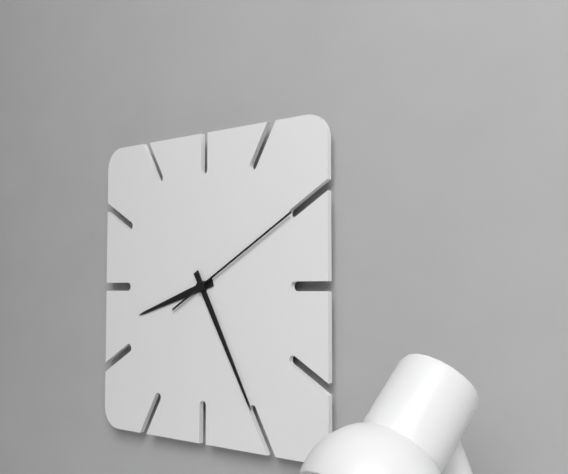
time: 8:25:10
